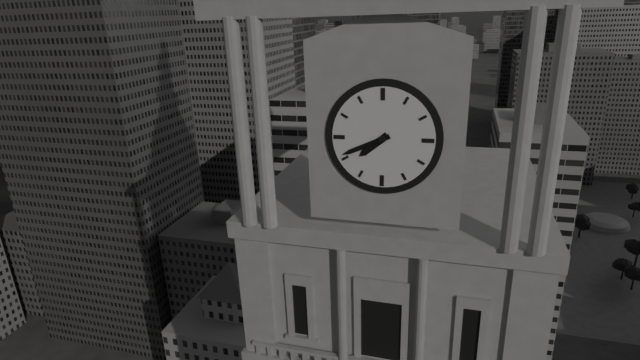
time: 7:41
